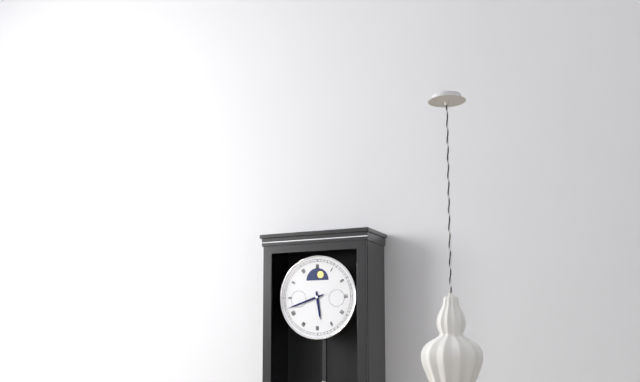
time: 5:42
